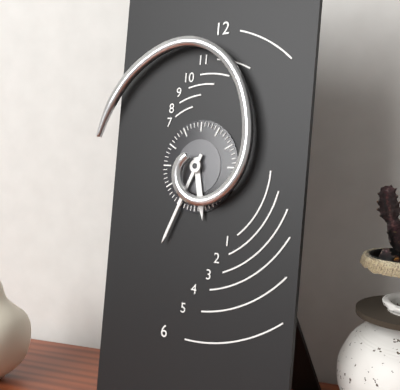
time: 5:34
